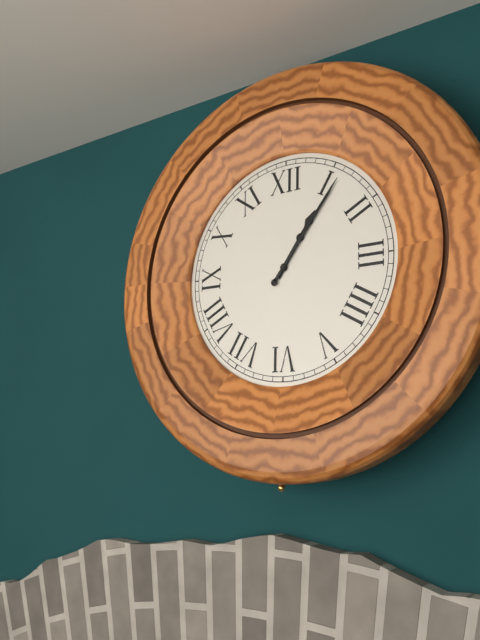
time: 1:06
